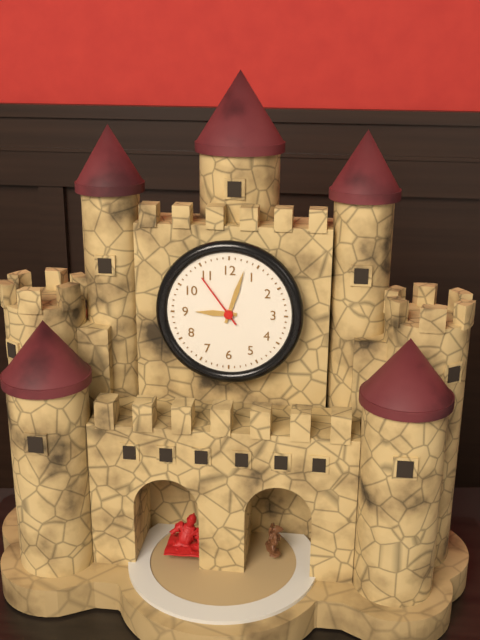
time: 9:03:54
